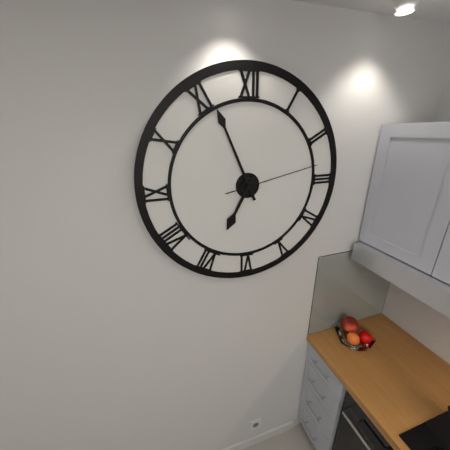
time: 6:56:13
